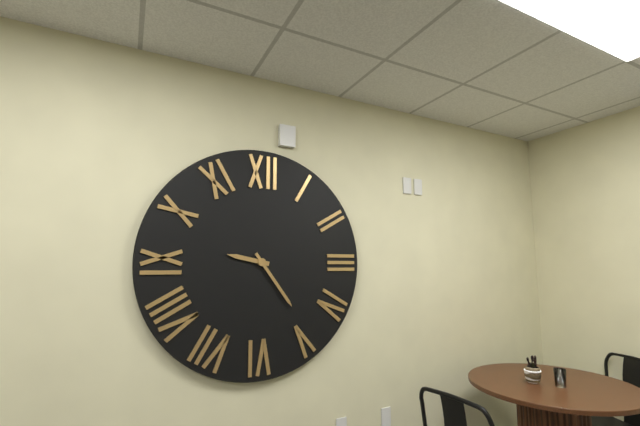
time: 9:24
